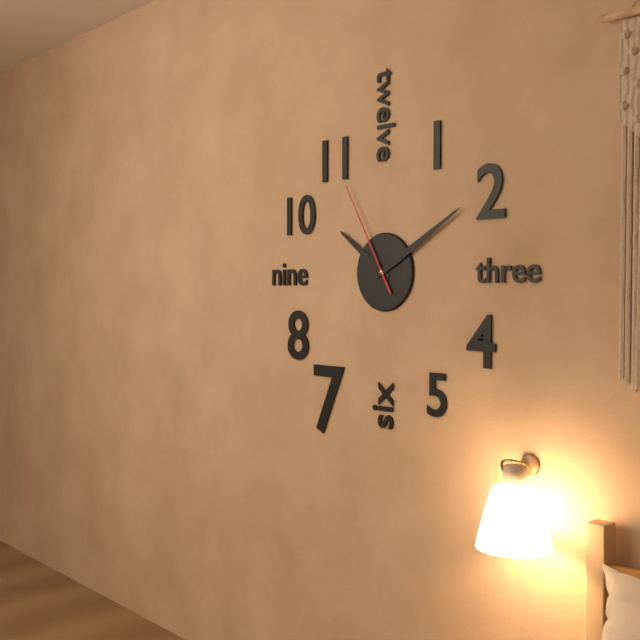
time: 10:10:55
